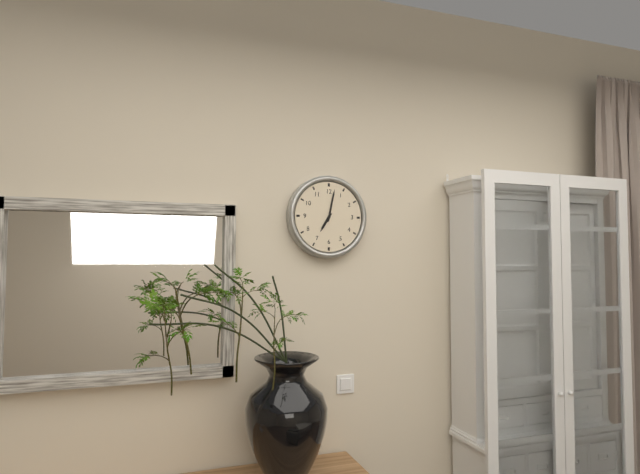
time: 7:02
